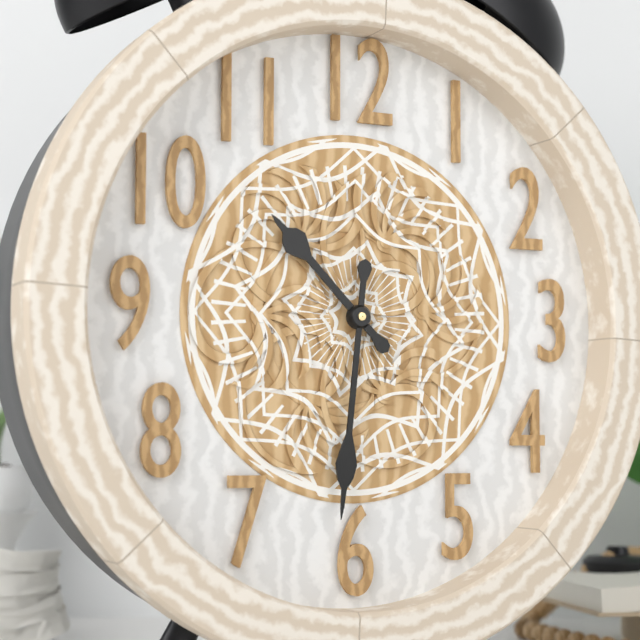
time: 10:31
